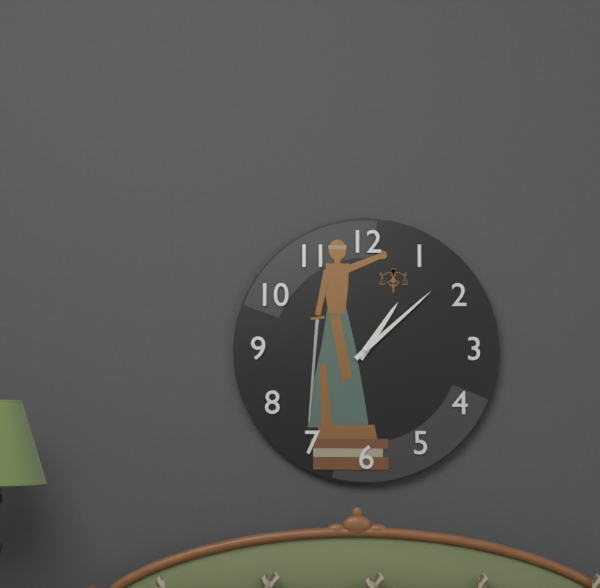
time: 1:08
